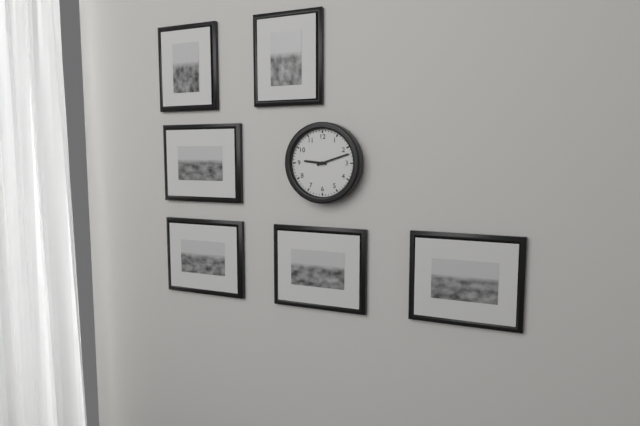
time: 9:12
